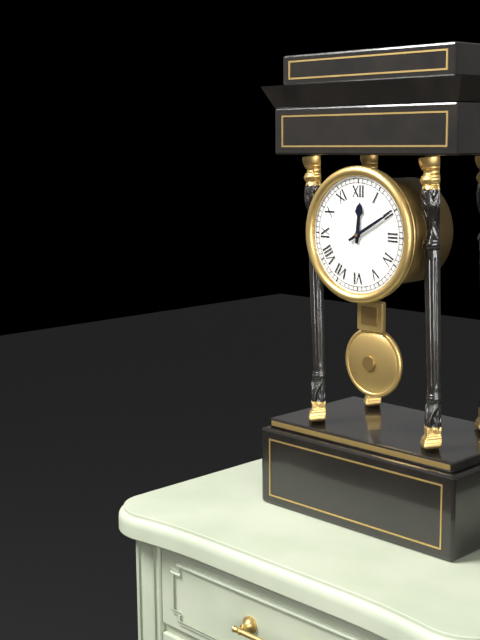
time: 12:10
